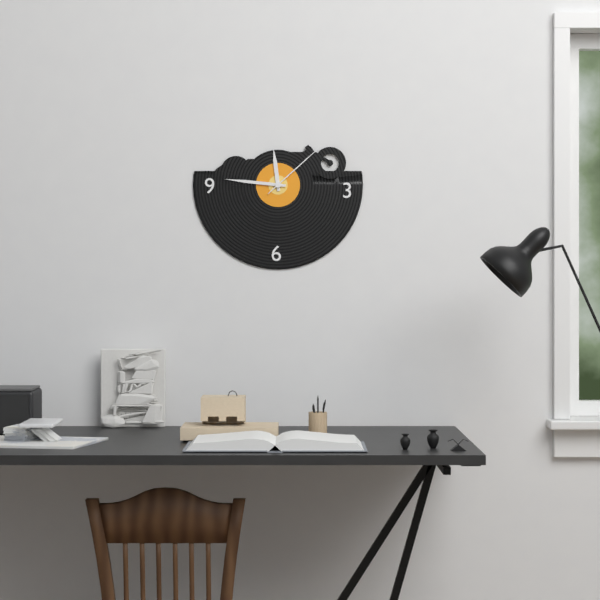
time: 11:46:08
